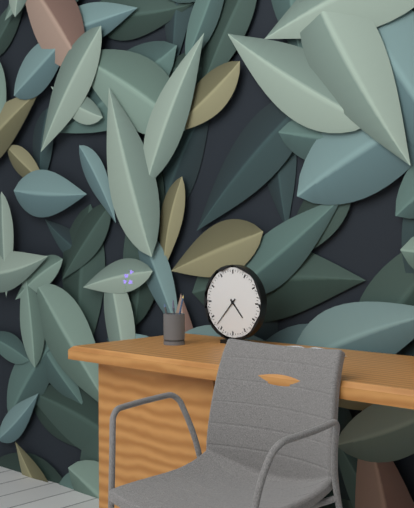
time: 4:37
